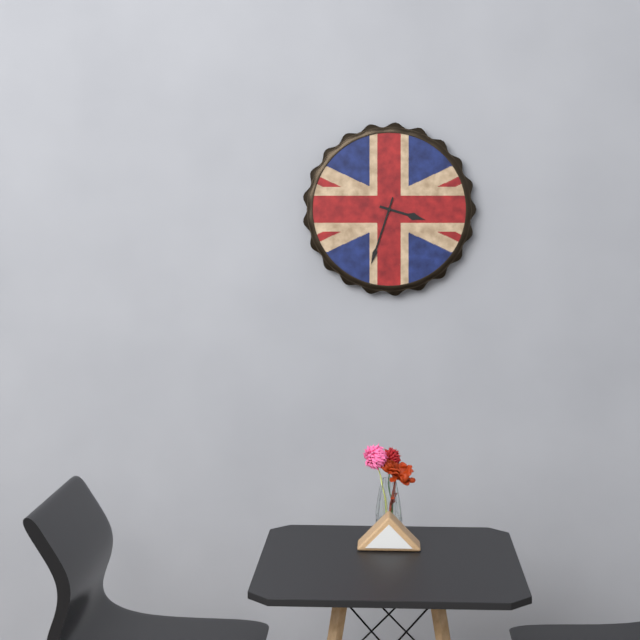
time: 3:33
